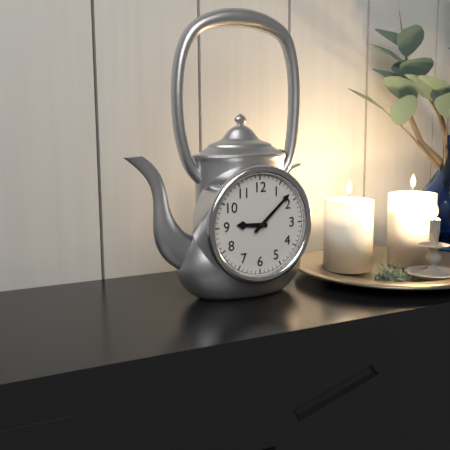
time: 9:08
